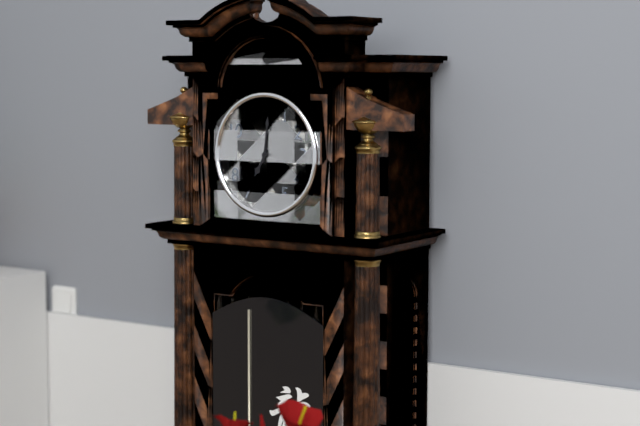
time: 7:01
